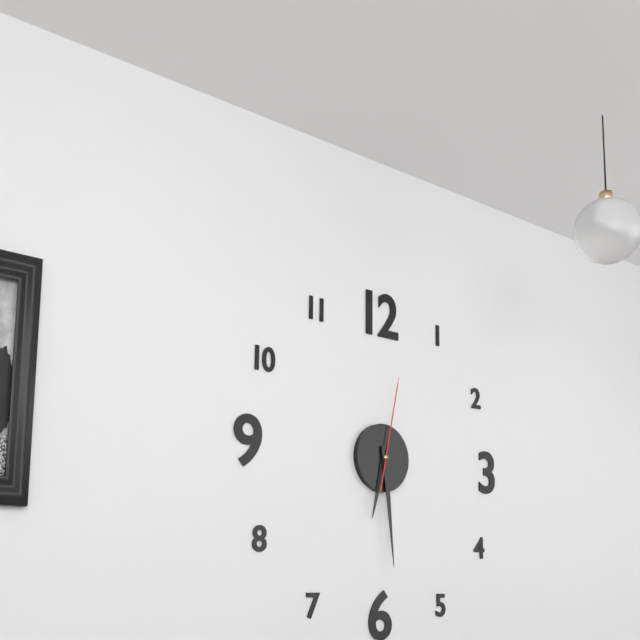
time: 6:29:02
